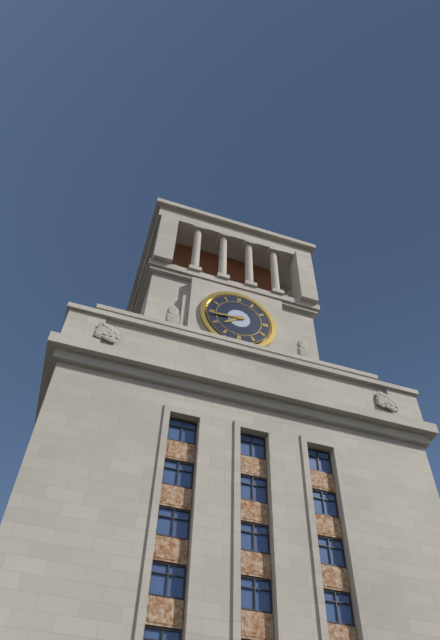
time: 7:44
